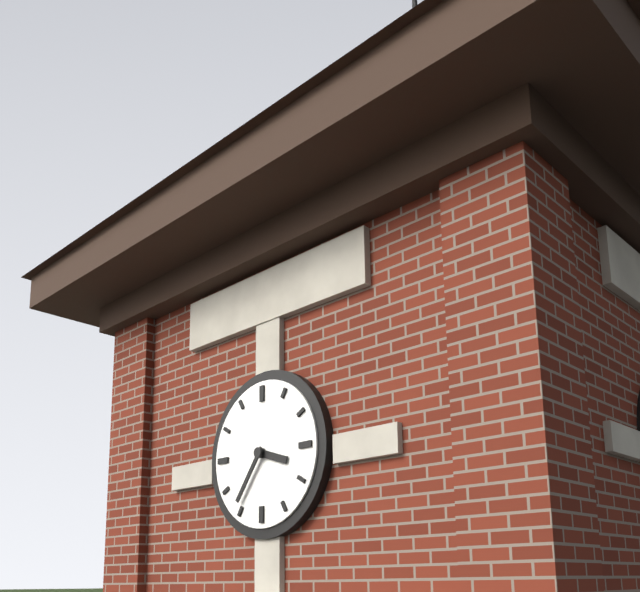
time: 3:36
